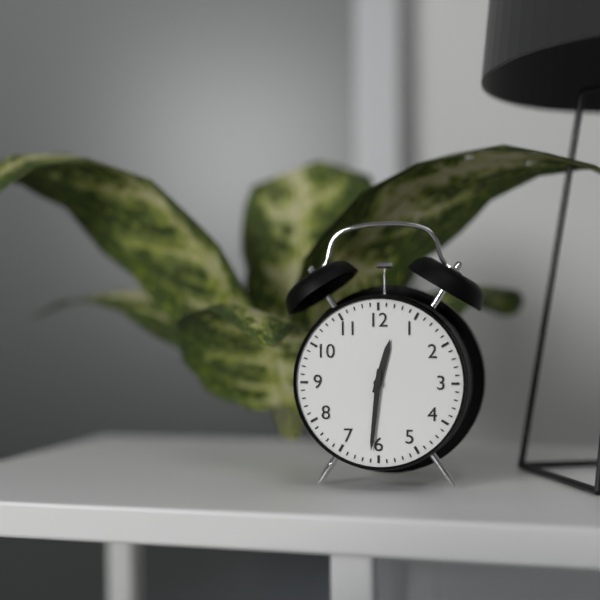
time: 12:31
